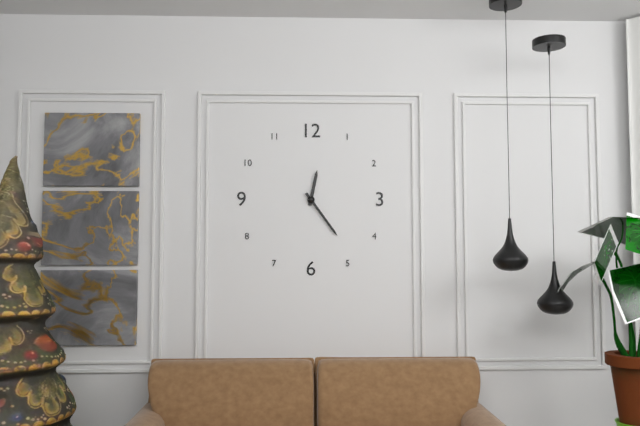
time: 12:24
